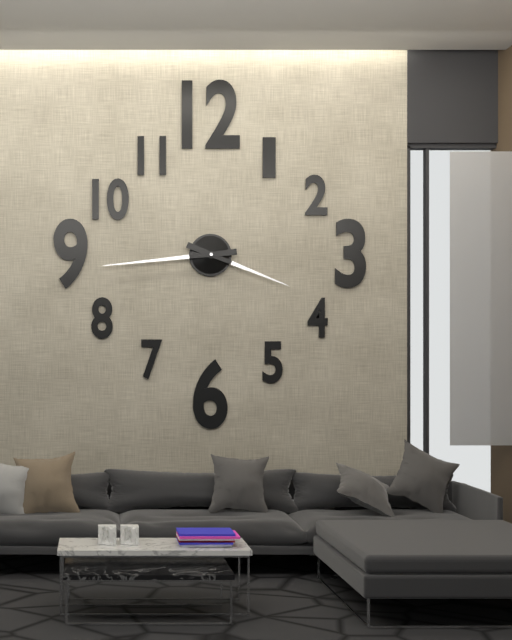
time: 3:44
